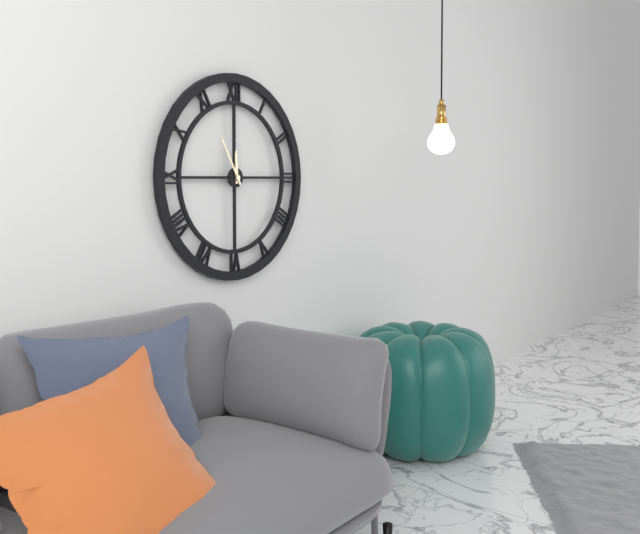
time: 11:55
